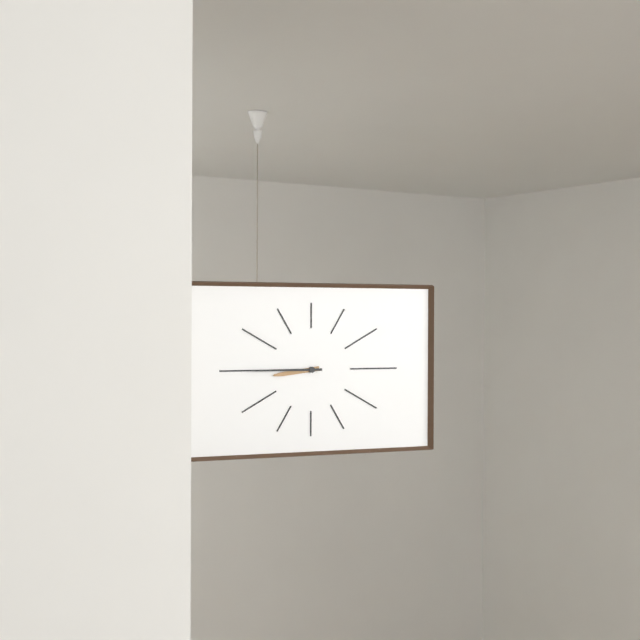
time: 8:45
